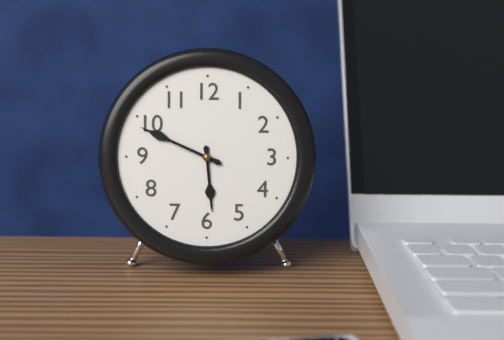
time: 5:49
